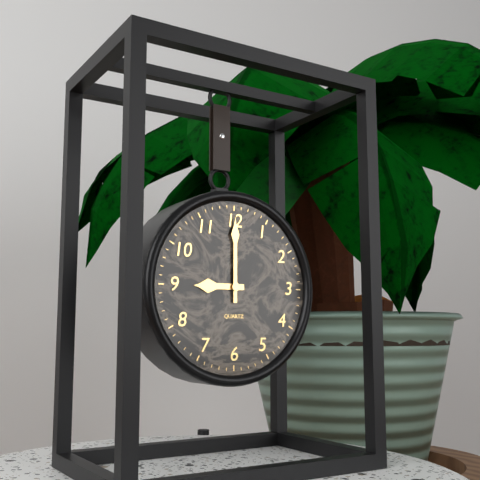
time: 9:00
